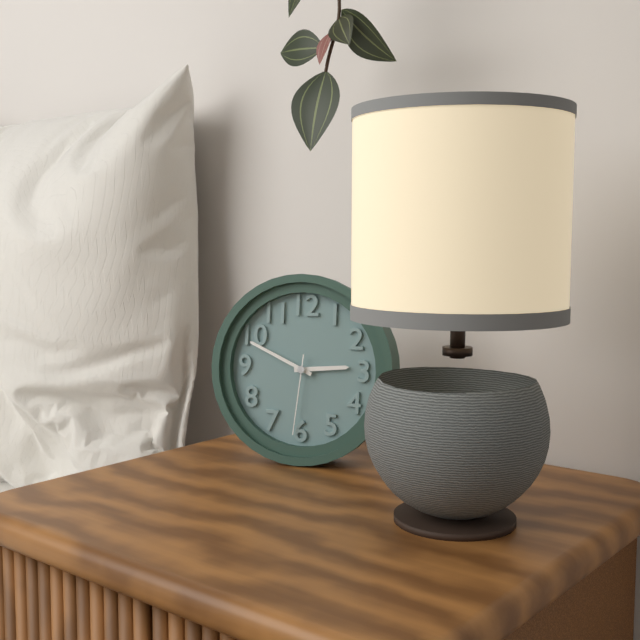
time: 2:49:31
